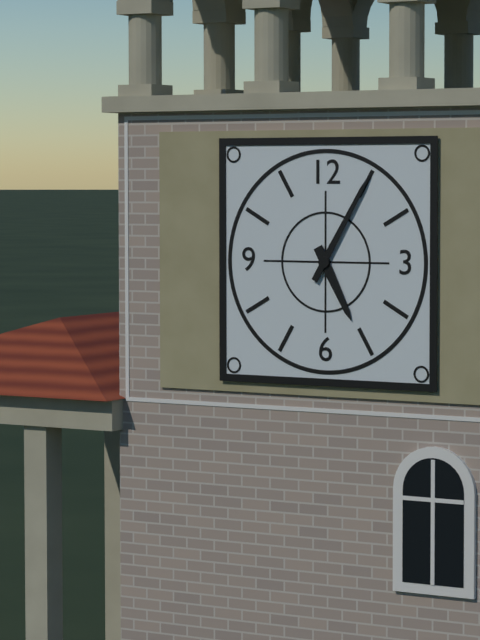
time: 5:05
